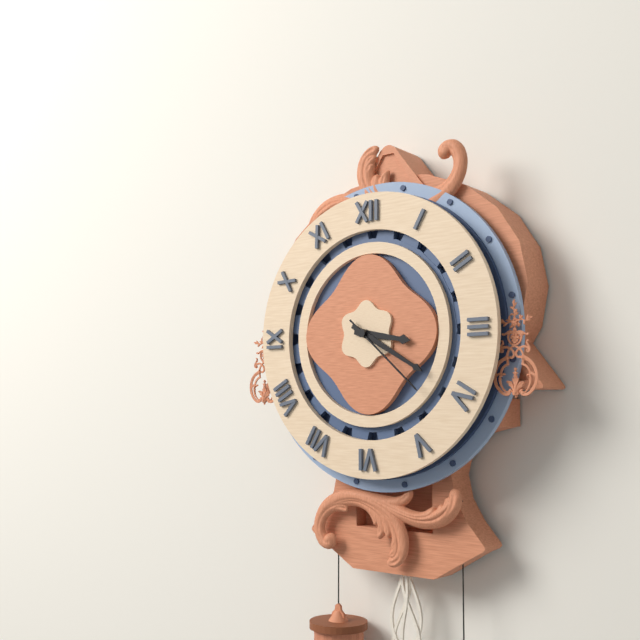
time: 3:20:22
